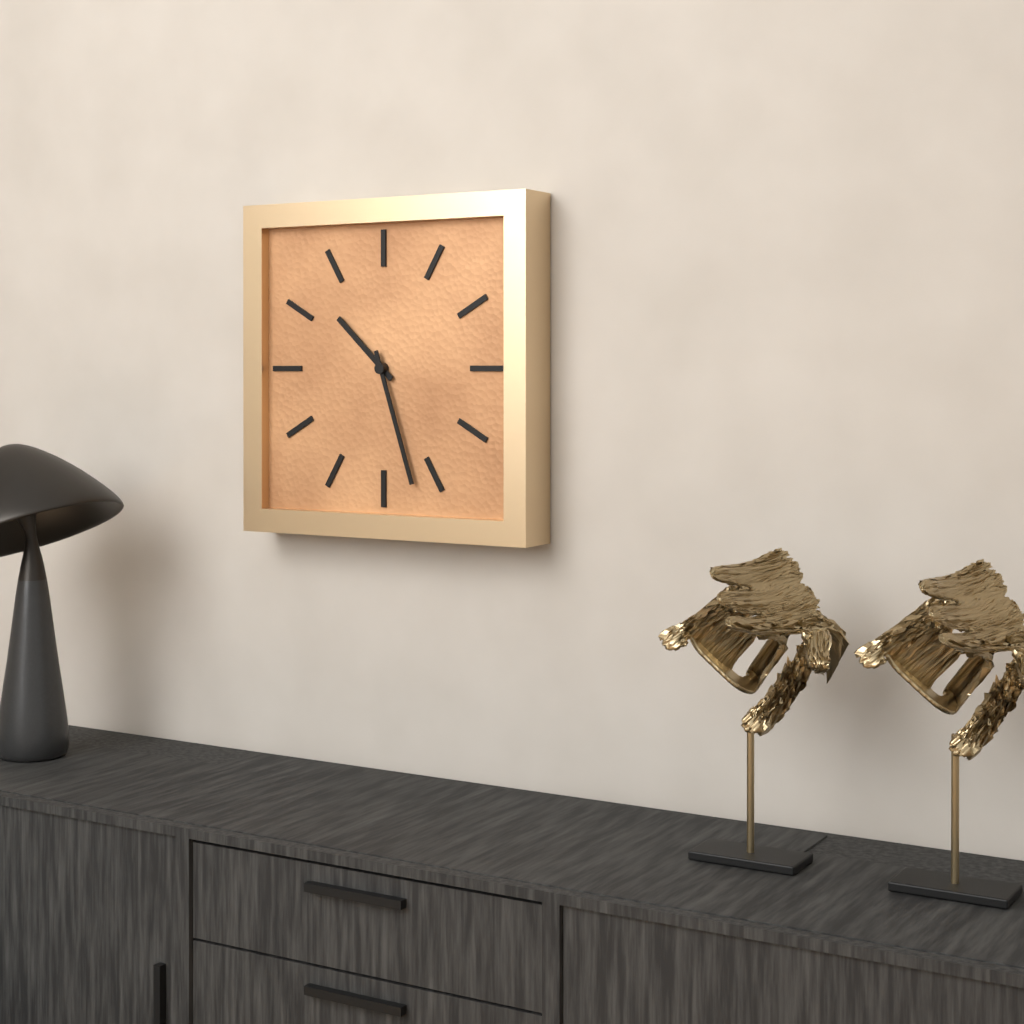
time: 10:27
